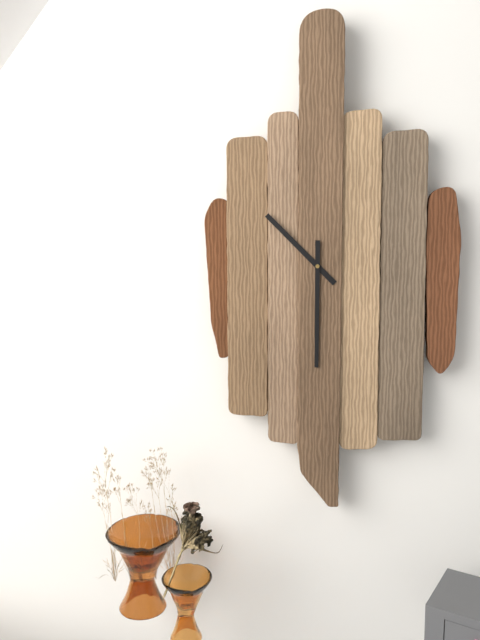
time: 10:30
